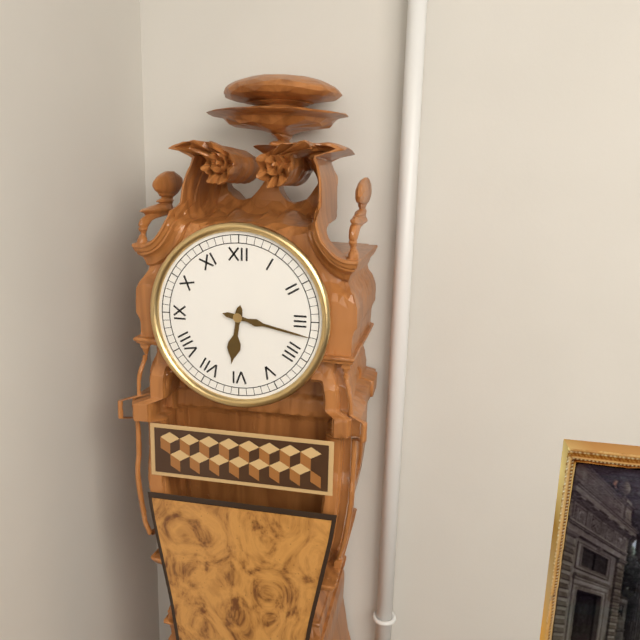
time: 6:17
